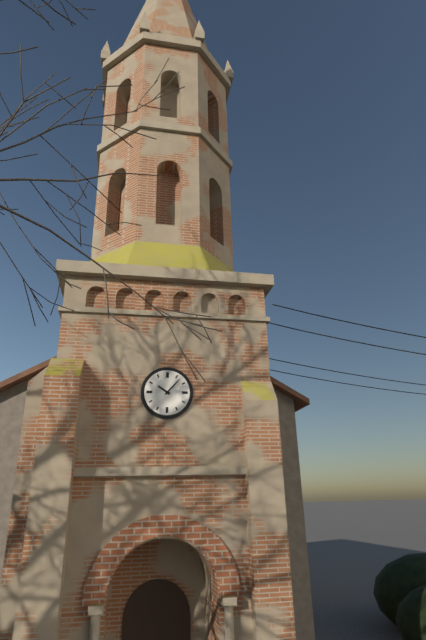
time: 10:07
